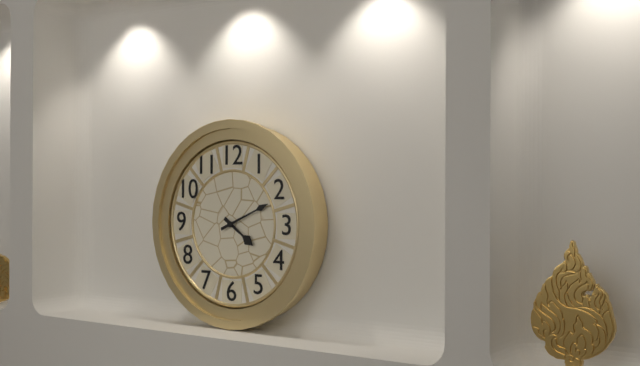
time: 4:11
